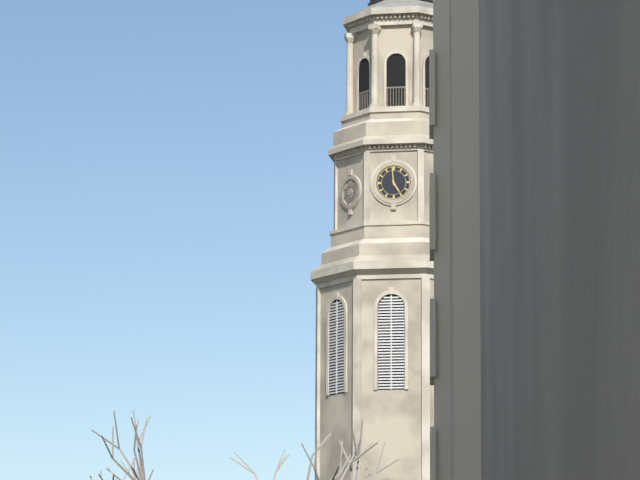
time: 4:59
